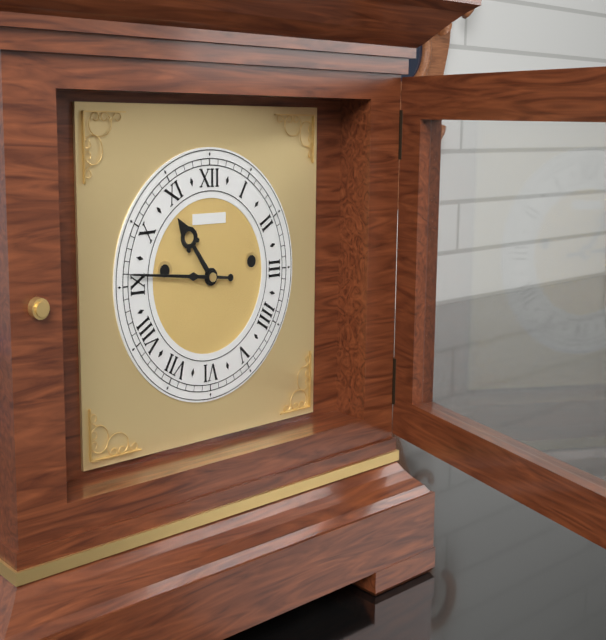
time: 10:46
